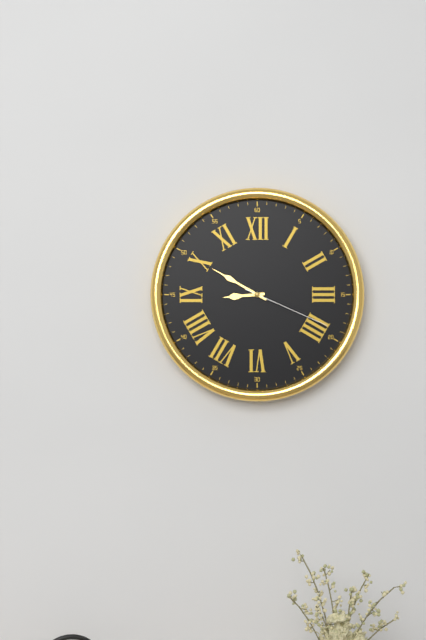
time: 8:50:19
